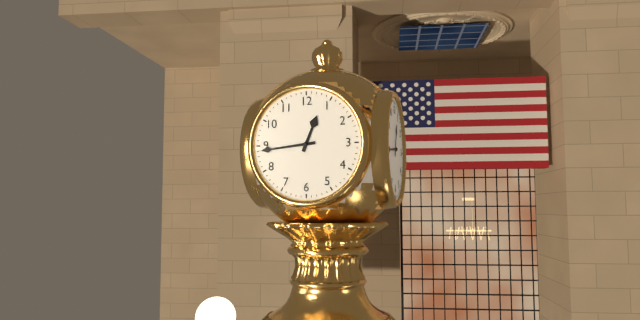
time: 12:44
